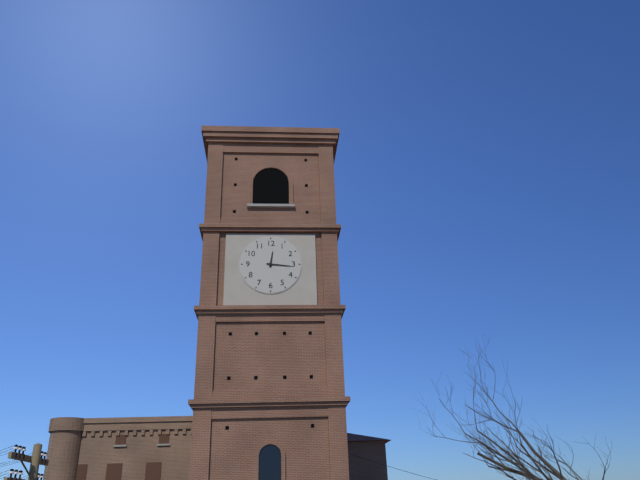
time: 12:16
